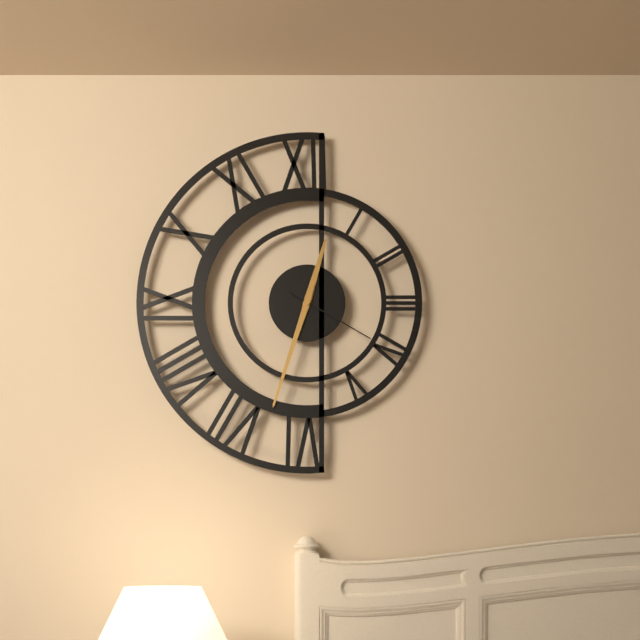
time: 12:33:20
